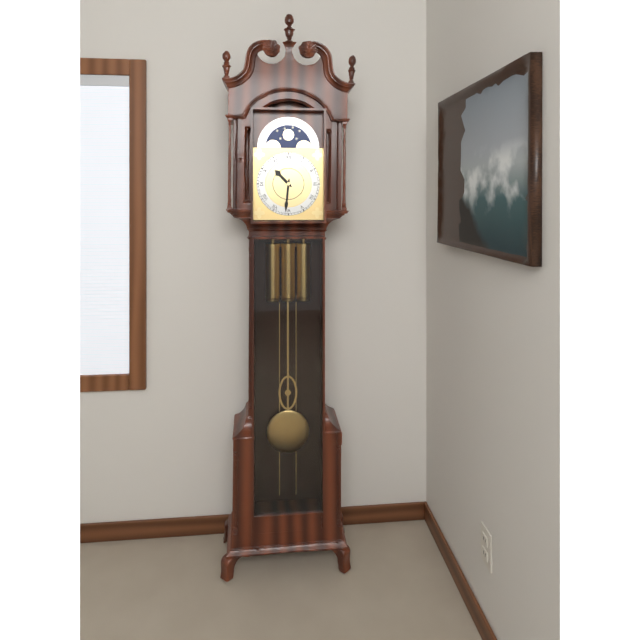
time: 10:31
